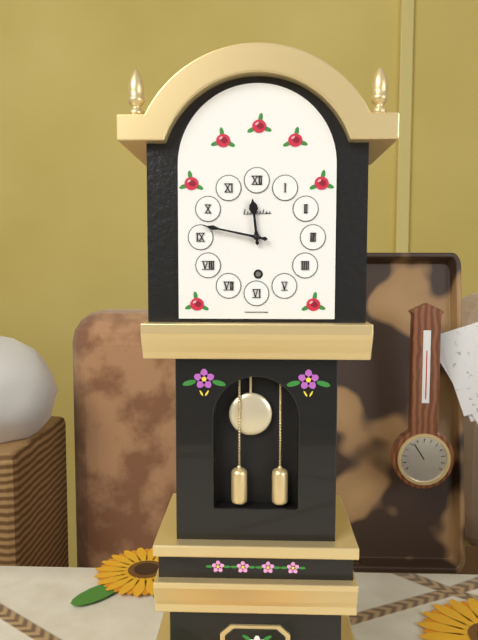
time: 11:47
